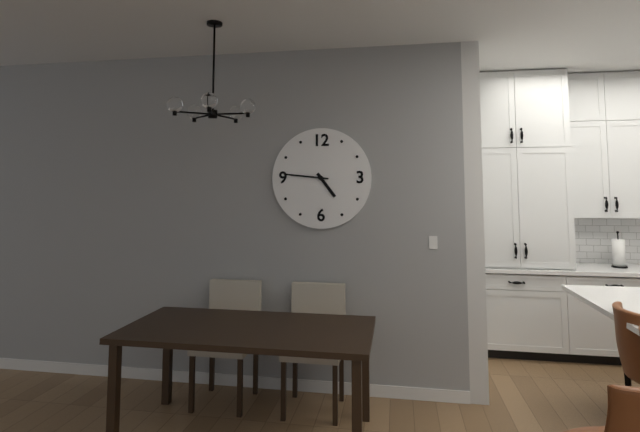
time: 4:46
